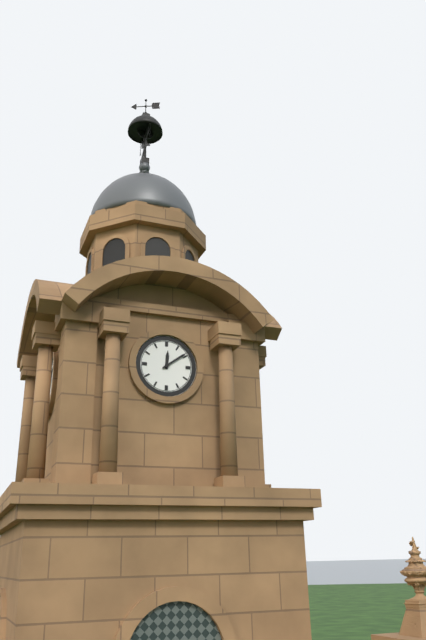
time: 12:09
